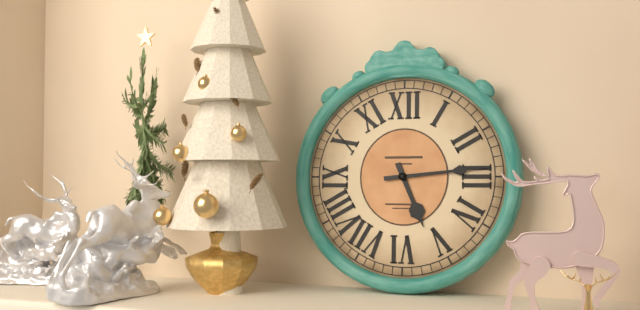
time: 5:14
